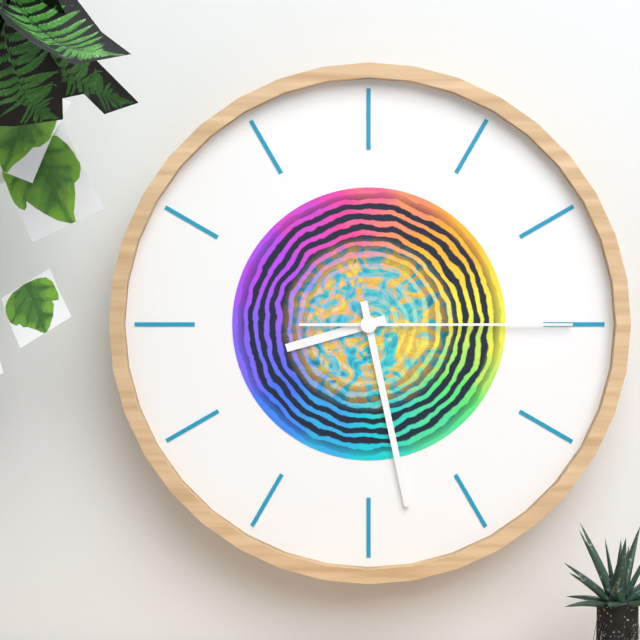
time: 8:28:15
